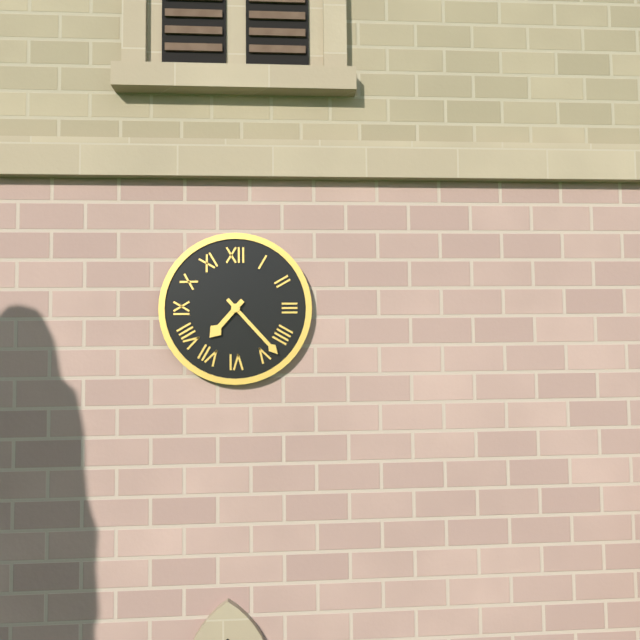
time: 7:23
